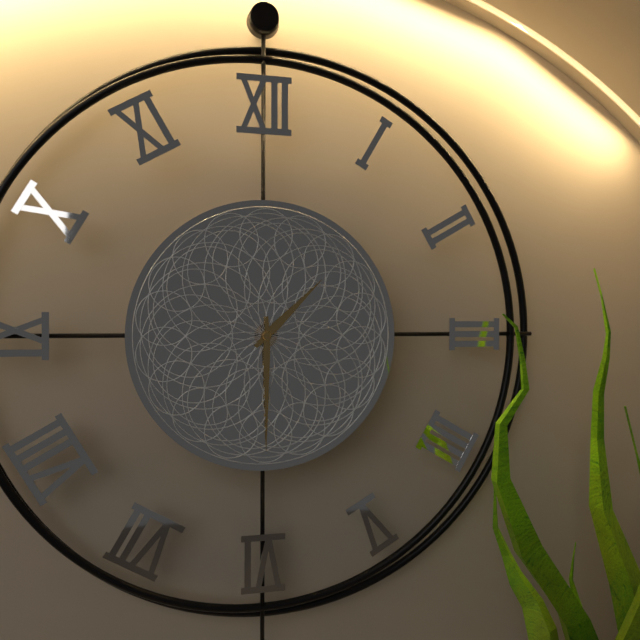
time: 1:30
